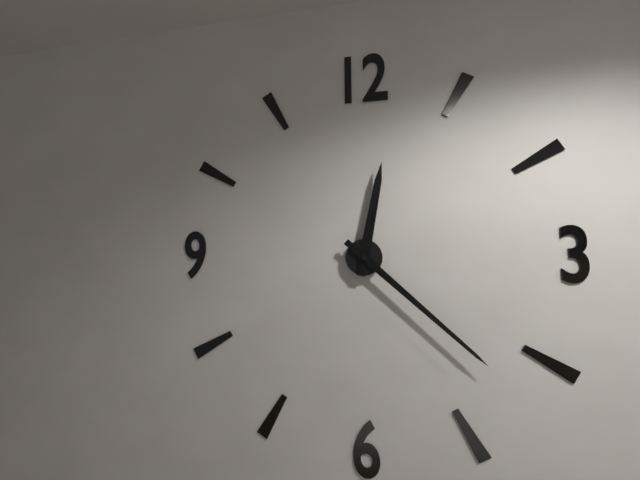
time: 12:22
